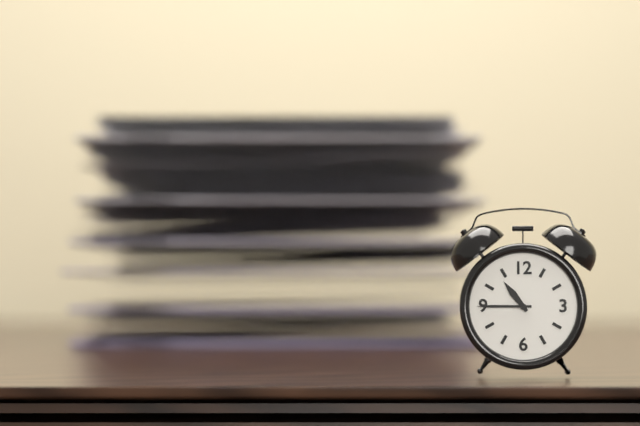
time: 10:45
